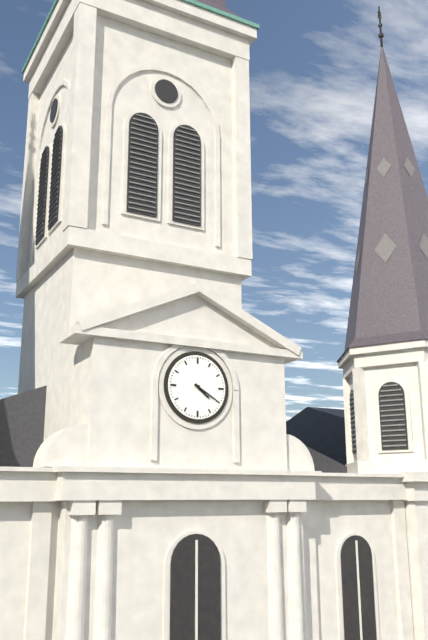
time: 4:20
